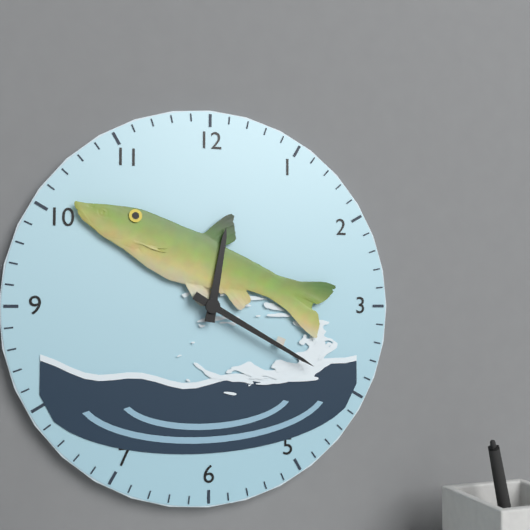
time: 12:20
